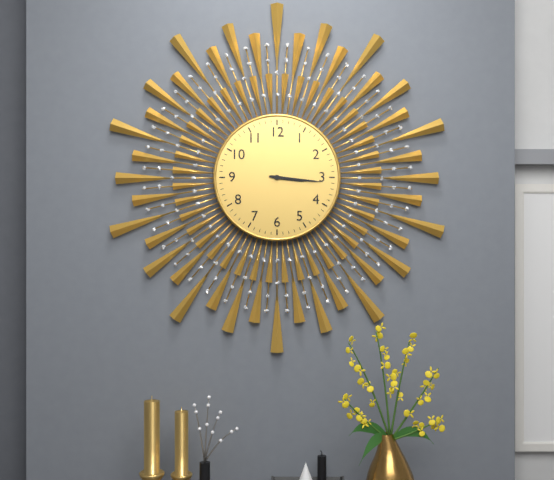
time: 3:16
